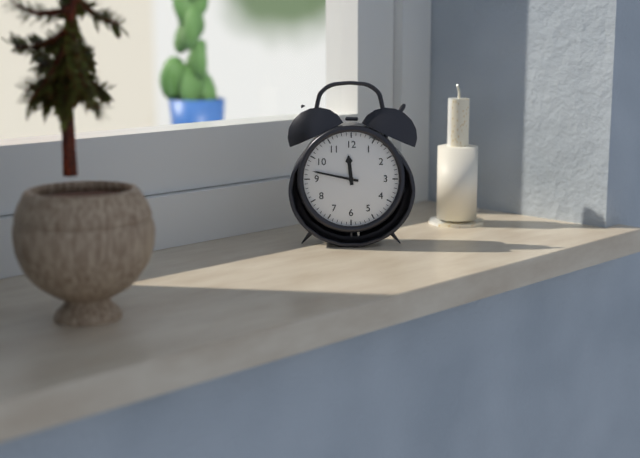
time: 11:47
